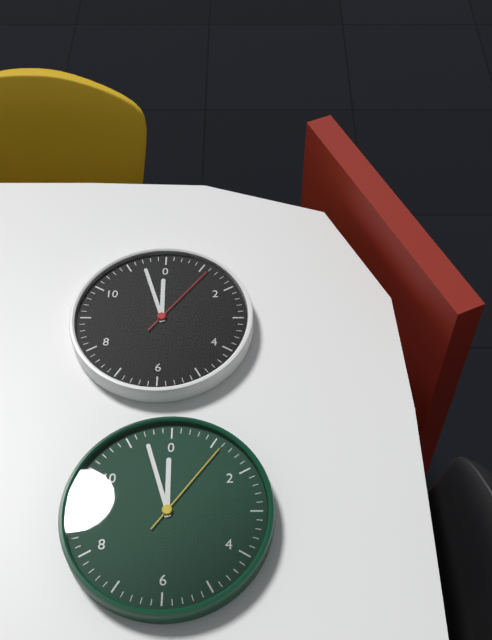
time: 11:57:06
